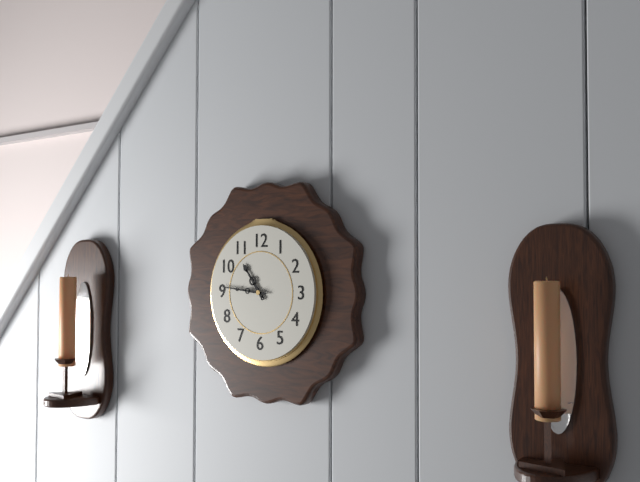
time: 10:46
